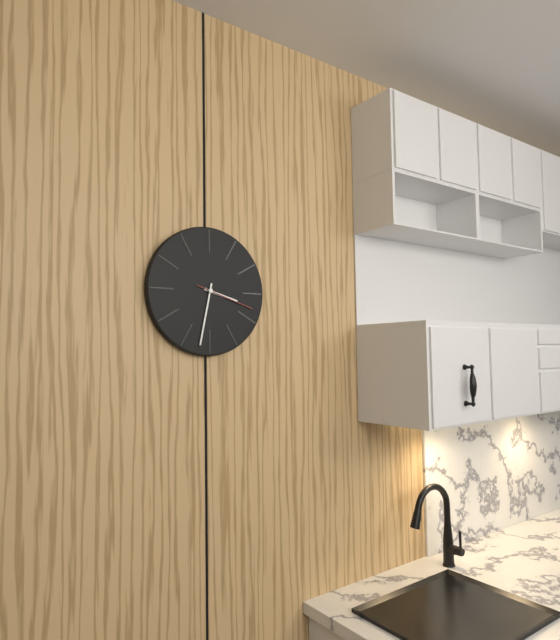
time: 3:32:18
